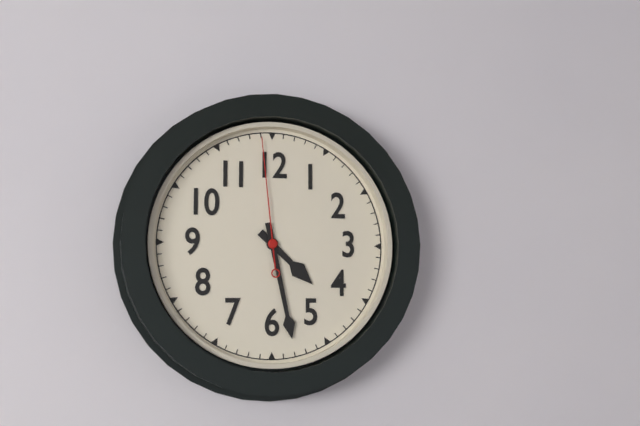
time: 4:28:59
